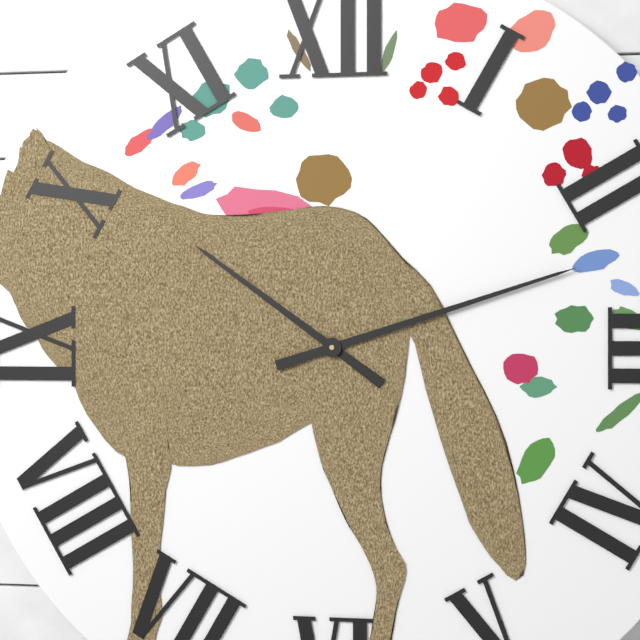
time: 10:12
